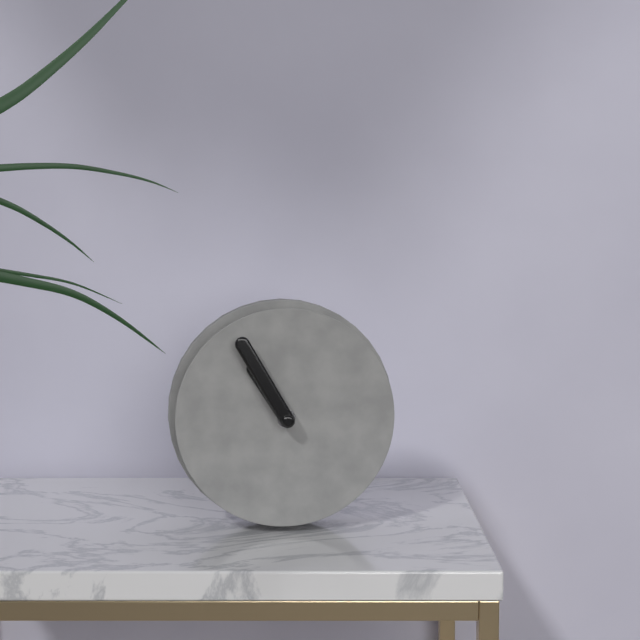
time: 10:55
